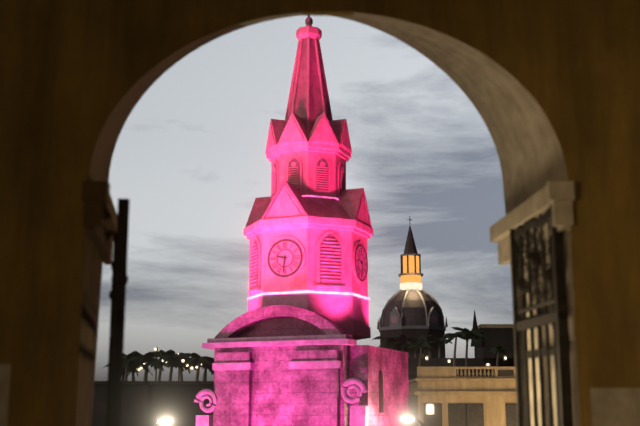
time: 9:31
